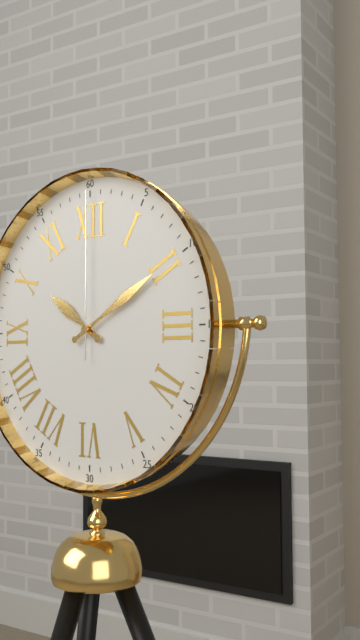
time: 10:10:00
